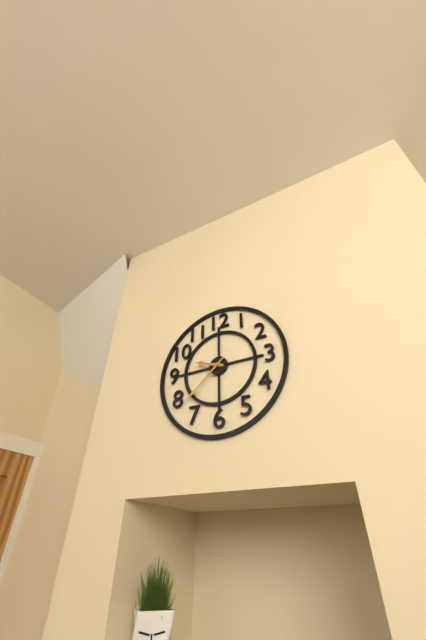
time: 9:38
